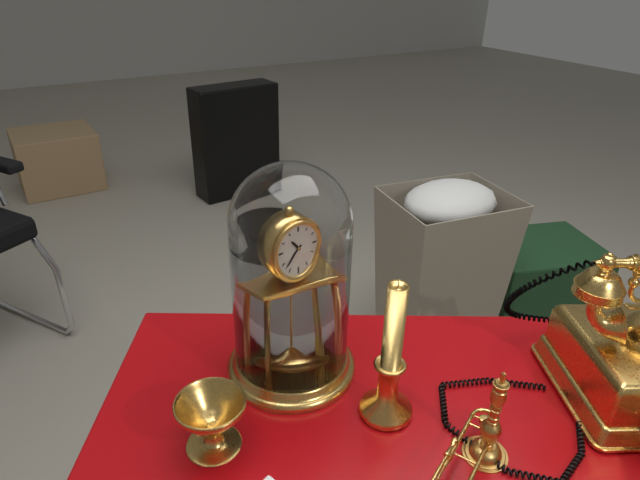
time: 10:38
